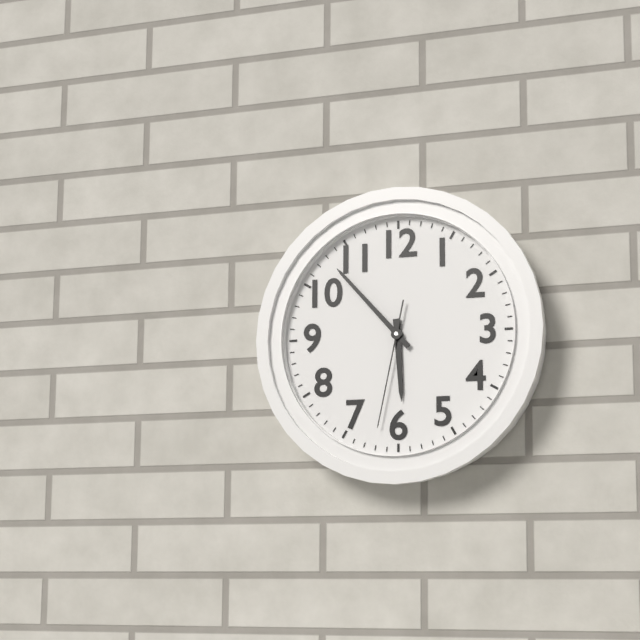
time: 5:53:32
